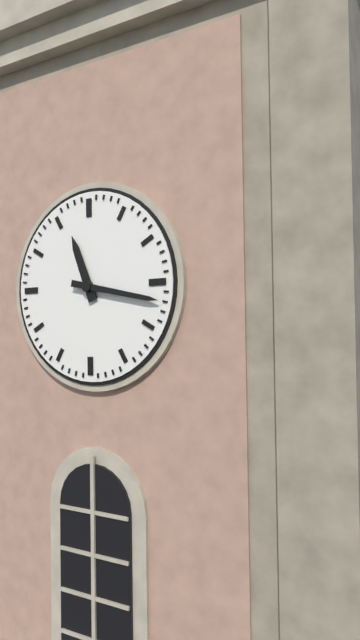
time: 11:17
